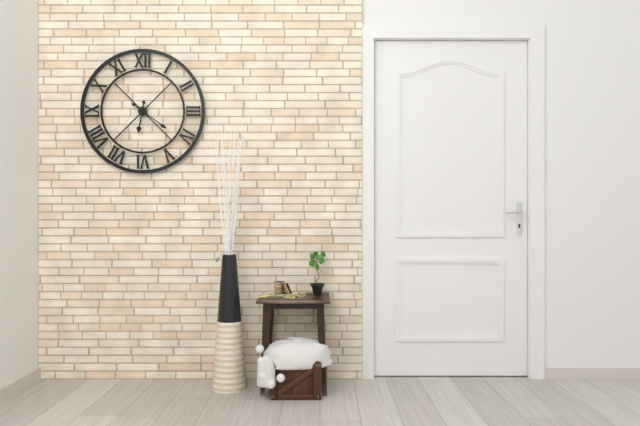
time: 6:21
